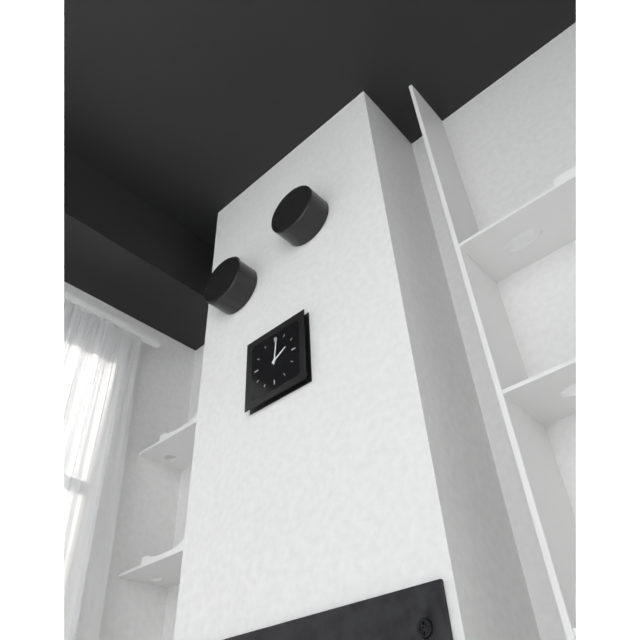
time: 2:01
